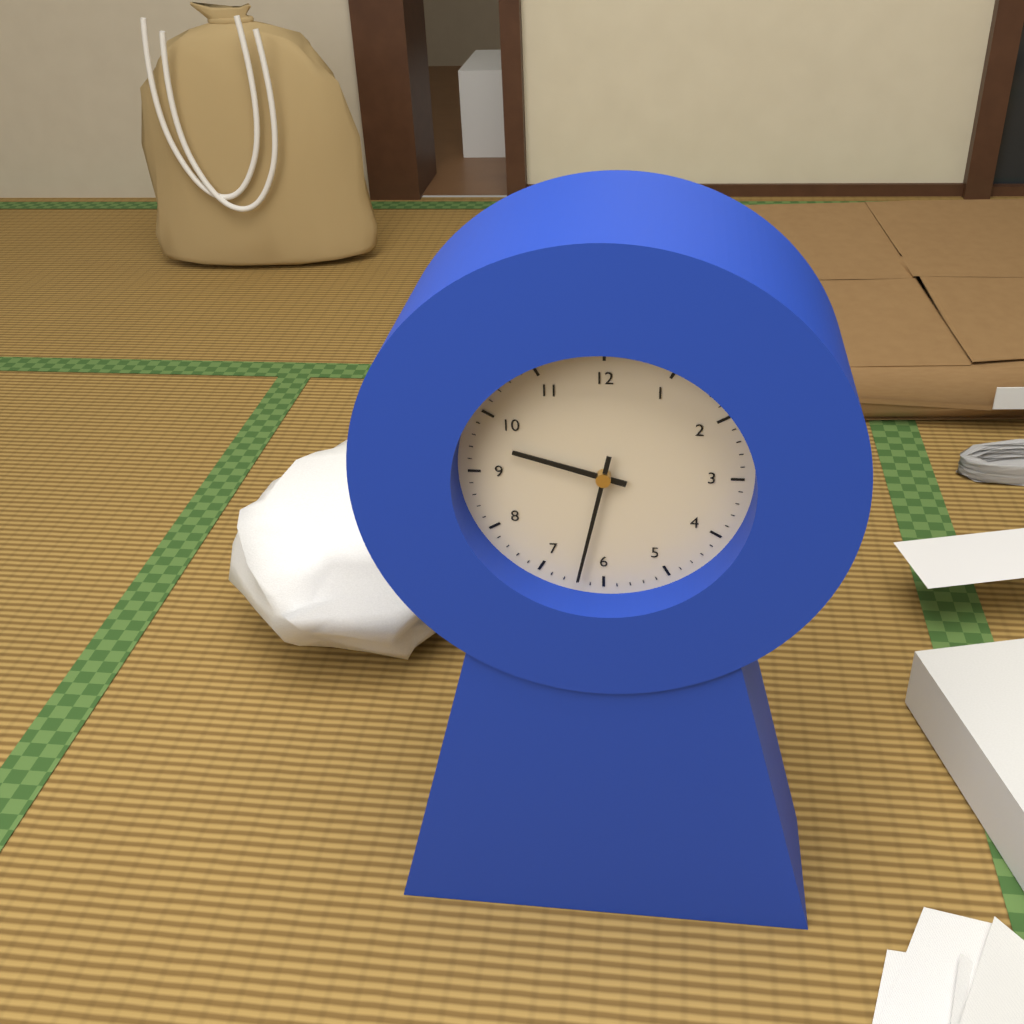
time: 9:32
